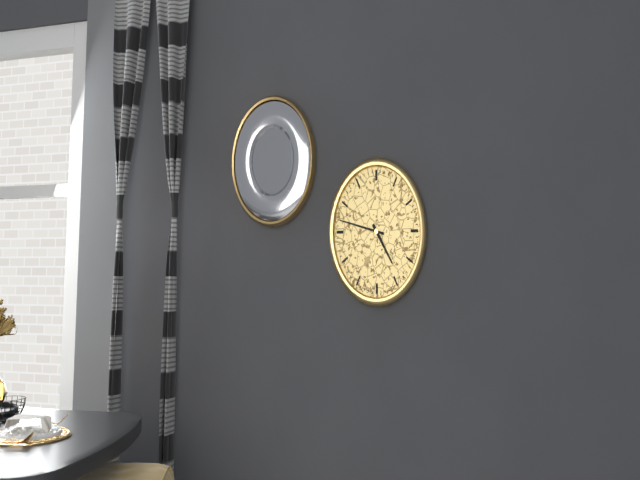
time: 4:47
